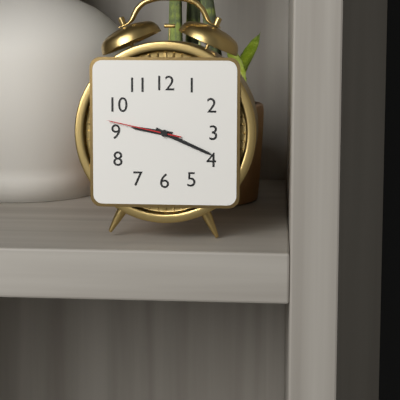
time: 9:19:47
